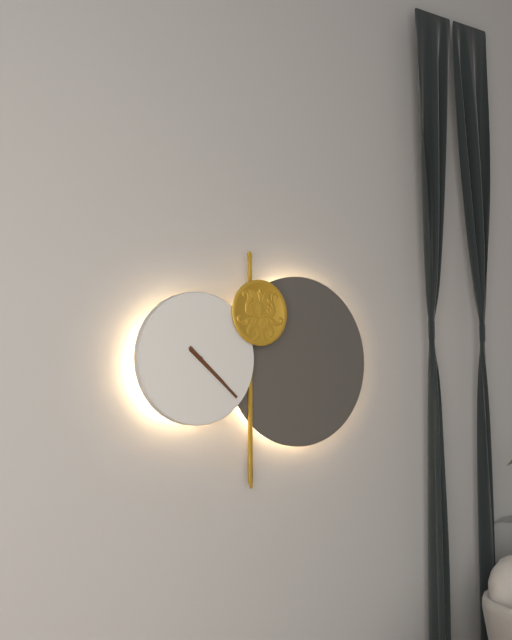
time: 4:22
